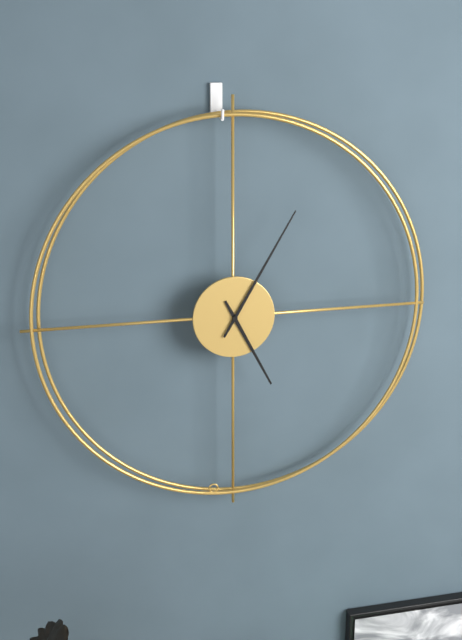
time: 5:05
